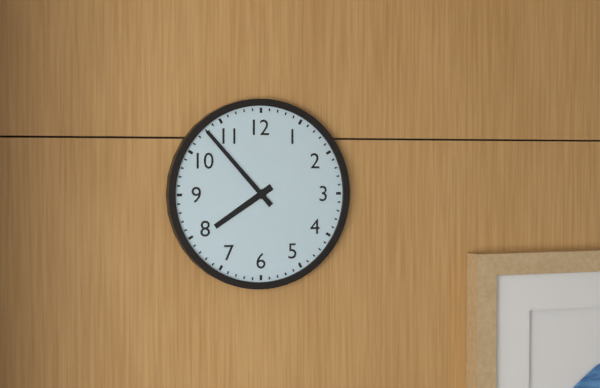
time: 7:53
